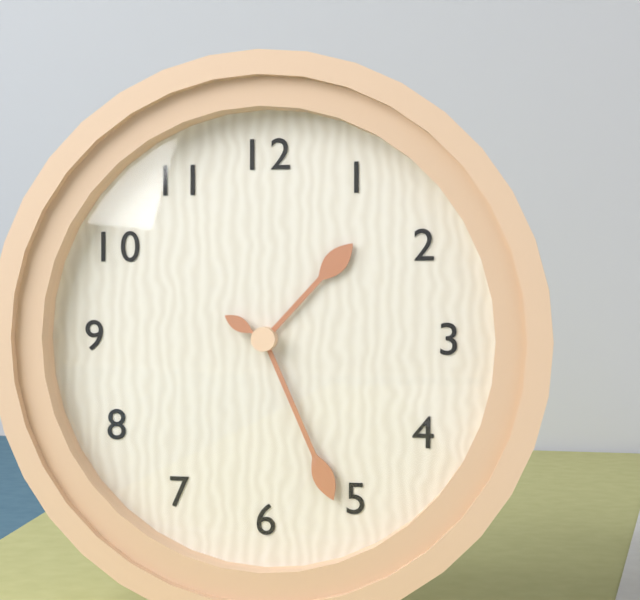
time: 1:26:50
